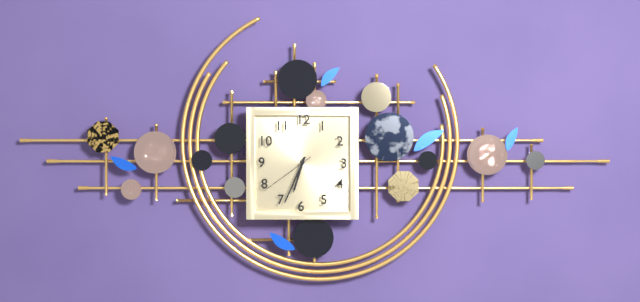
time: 6:34:39
